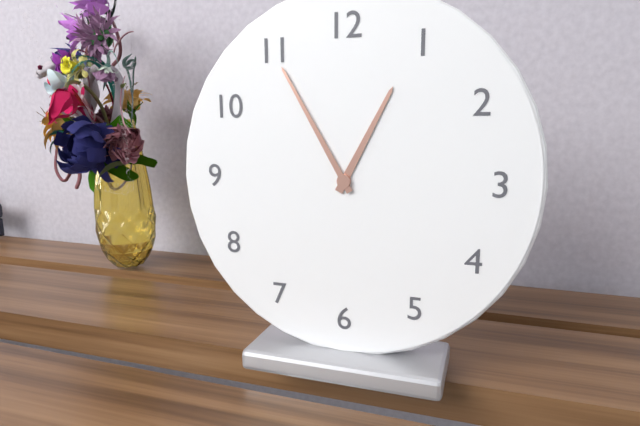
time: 12:55
